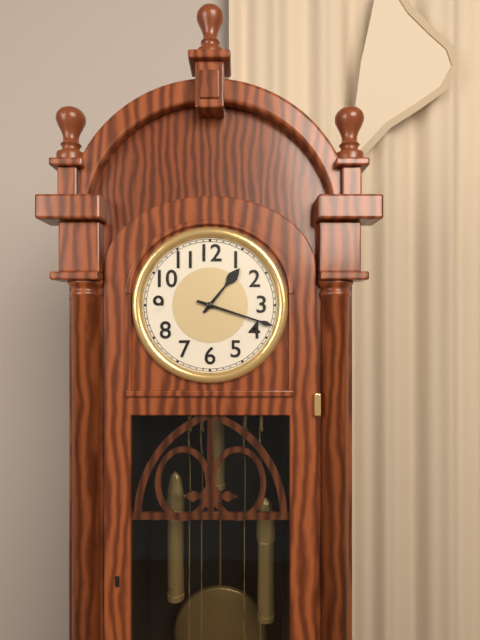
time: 1:18
